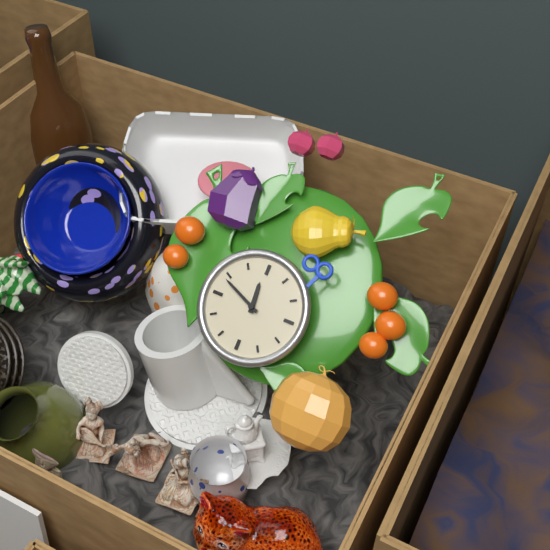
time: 11:49
